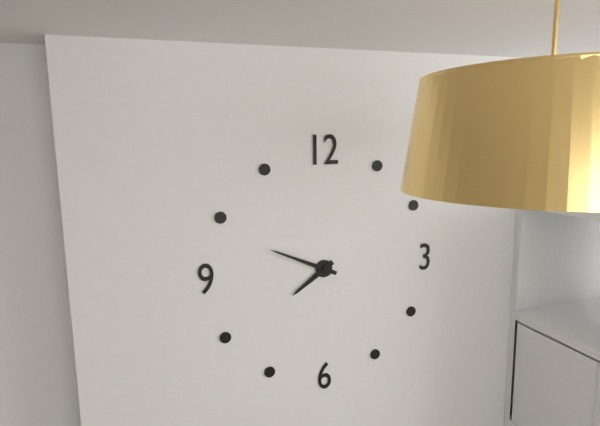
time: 7:49
